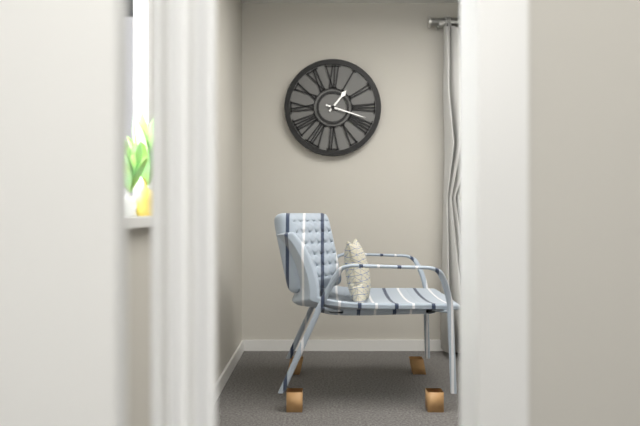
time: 1:18
